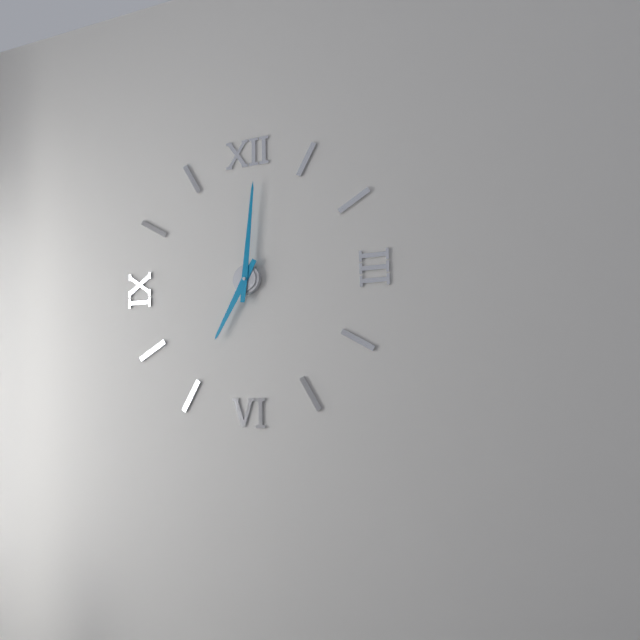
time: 7:01
